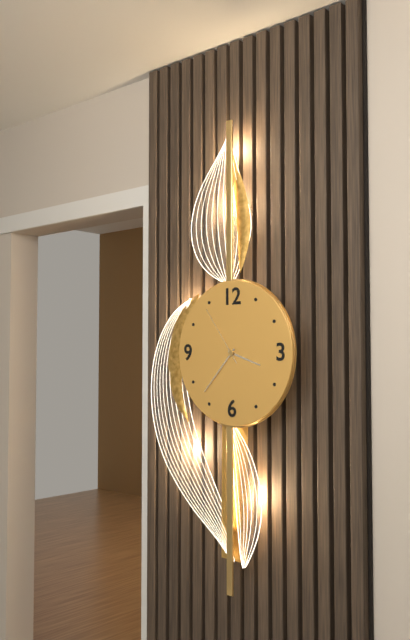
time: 3:37:54
